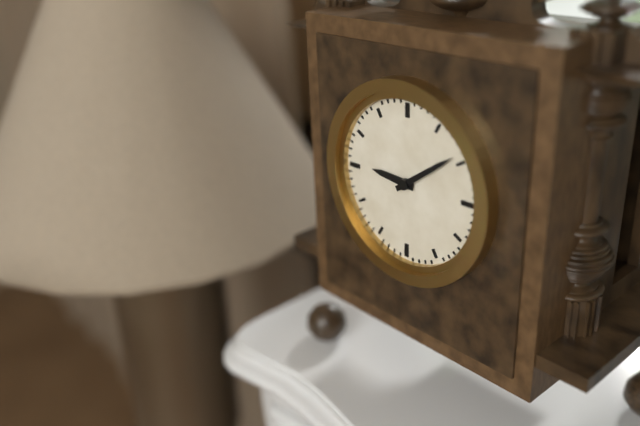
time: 9:09
